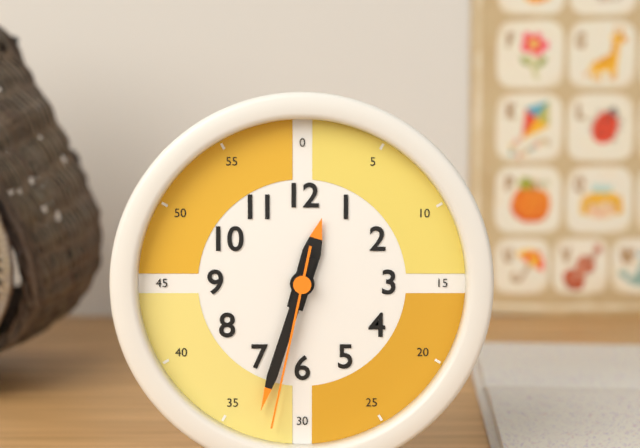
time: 12:33:32
